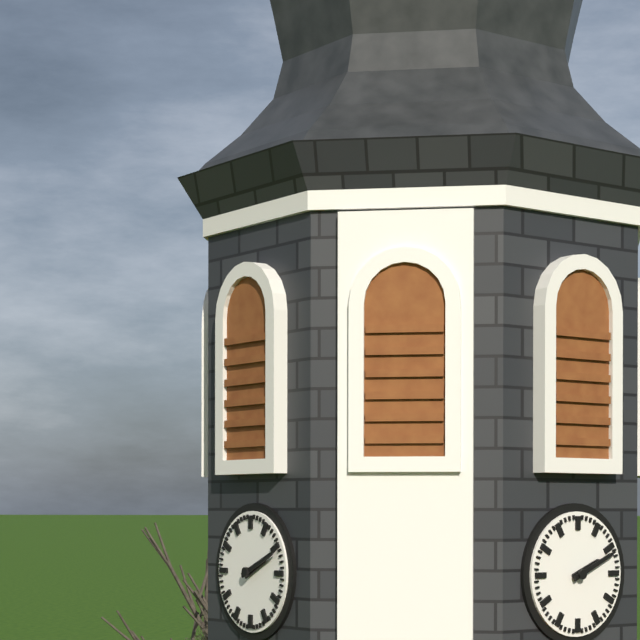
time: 2:11
